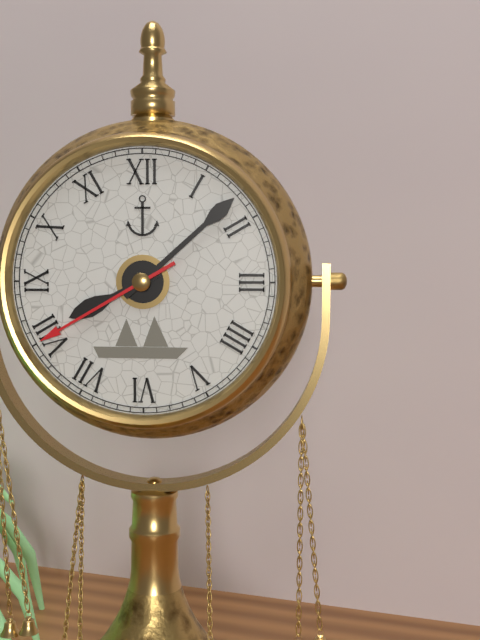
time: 8:08:40
